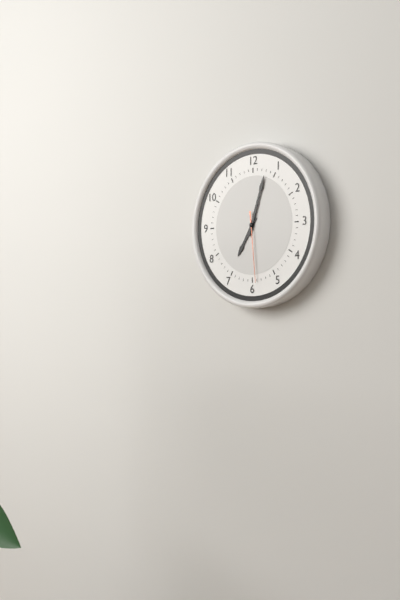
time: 7:03:29
